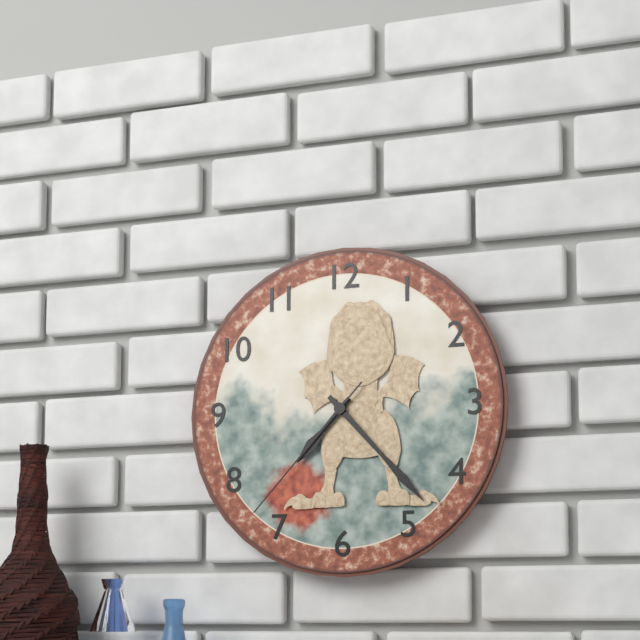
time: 7:23:37
